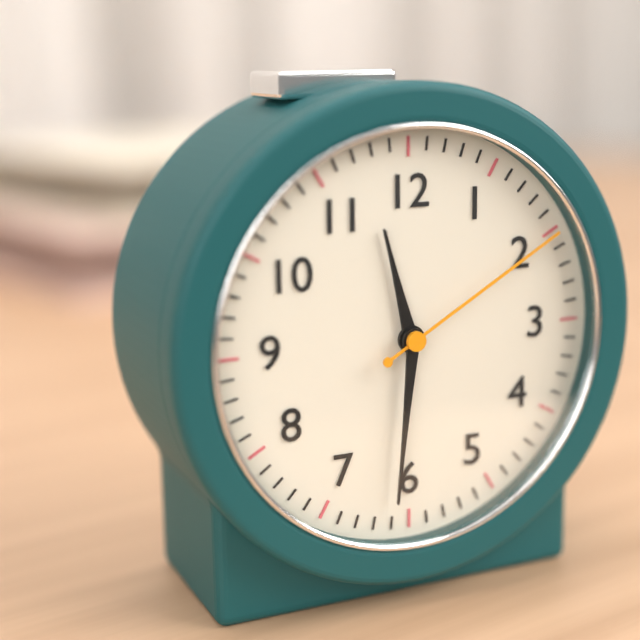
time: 11:31:10
